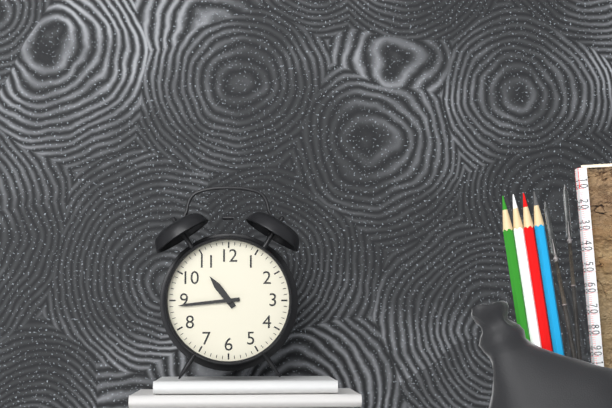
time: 10:44
